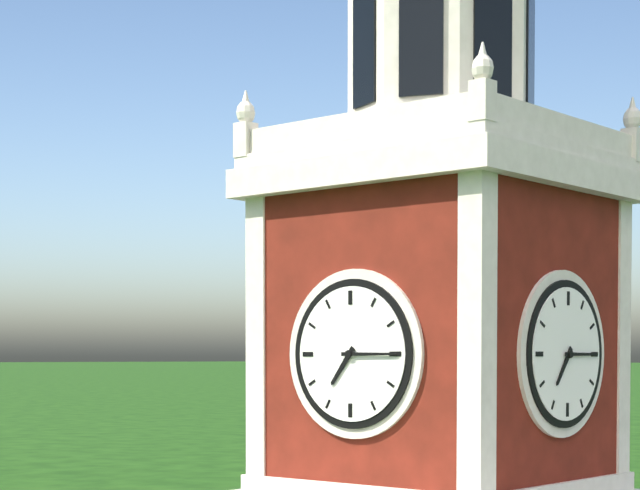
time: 7:15
